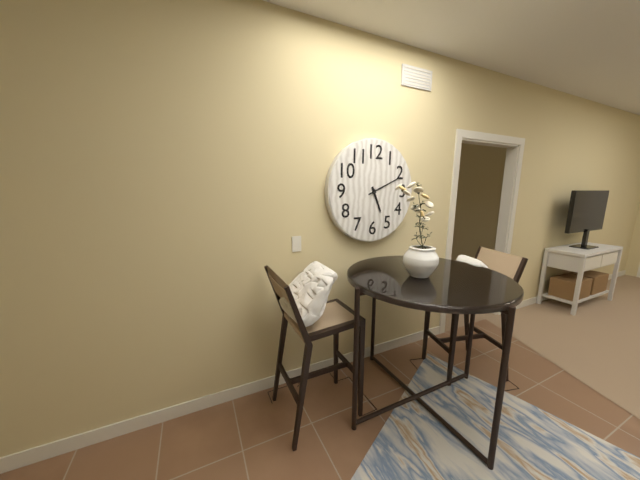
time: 5:11
